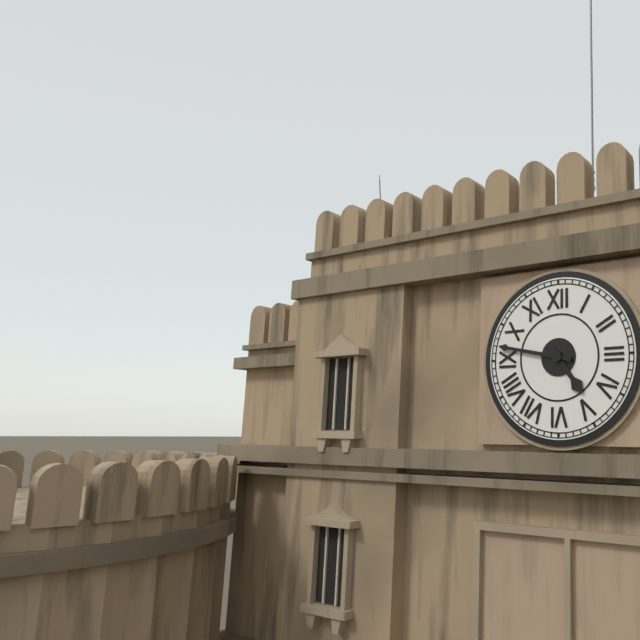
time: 4:47
